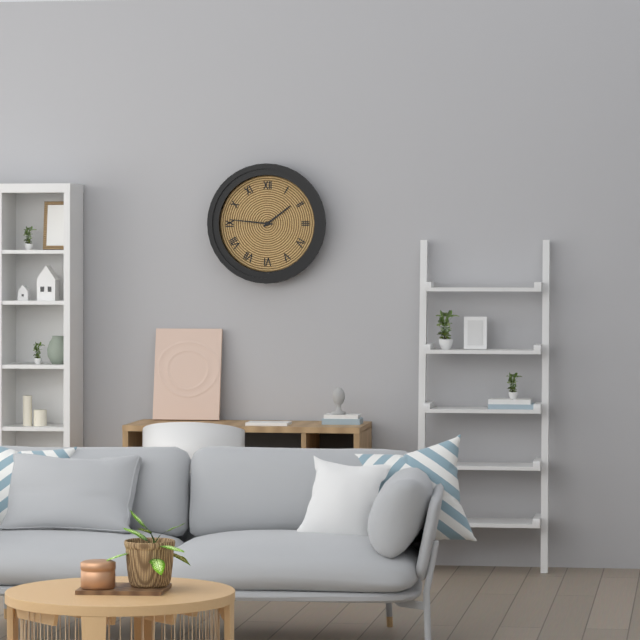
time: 1:46
